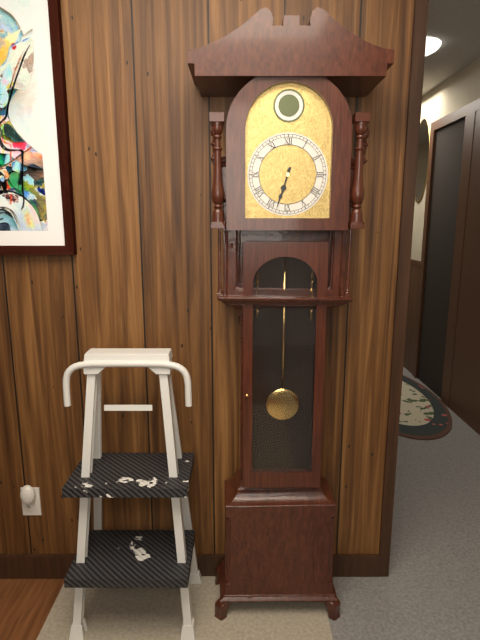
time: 6:33
